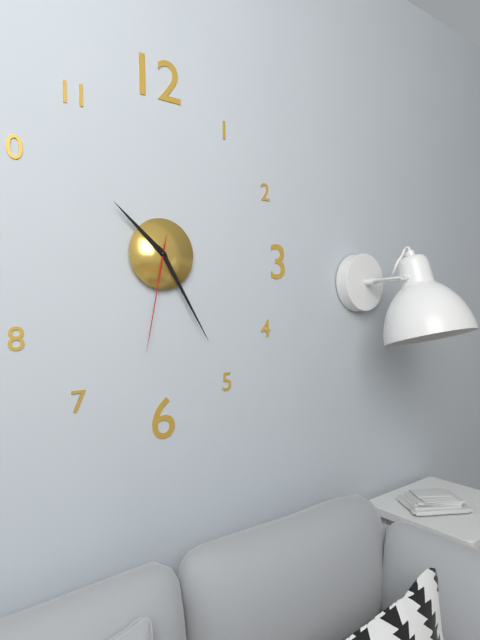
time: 10:25:32
